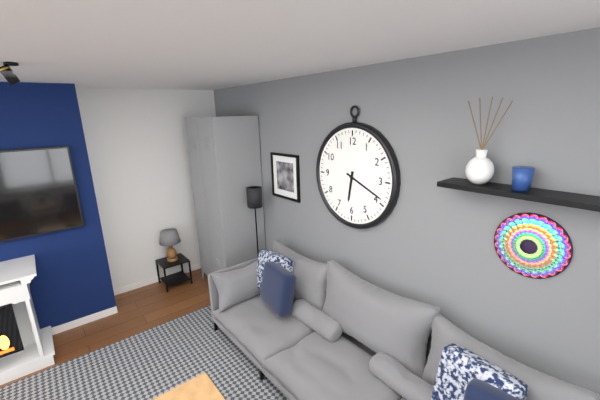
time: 6:19
